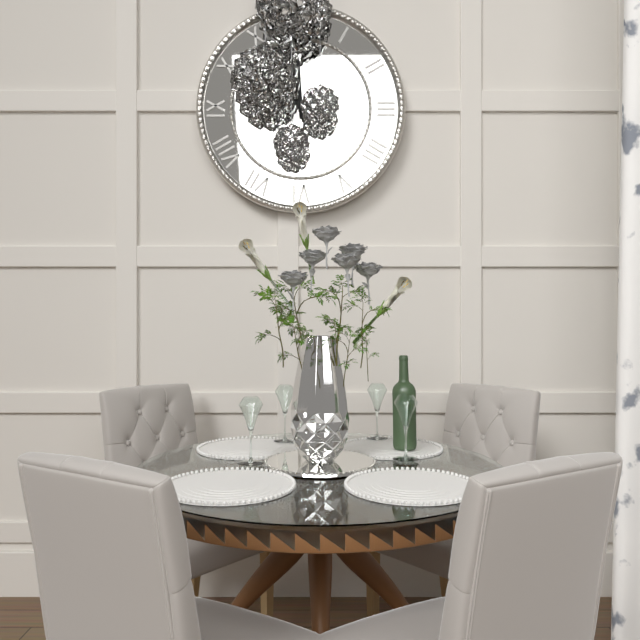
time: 11:54
